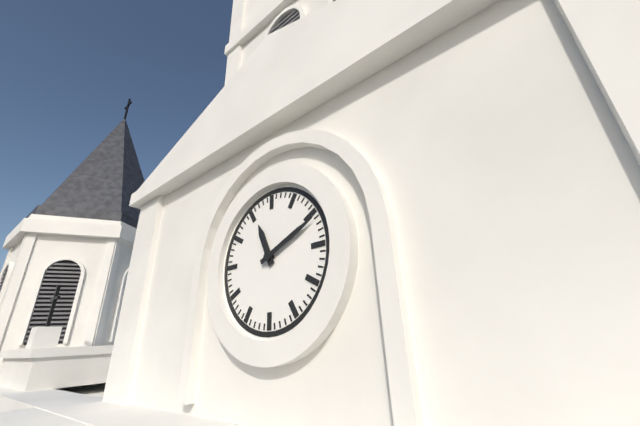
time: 11:11
